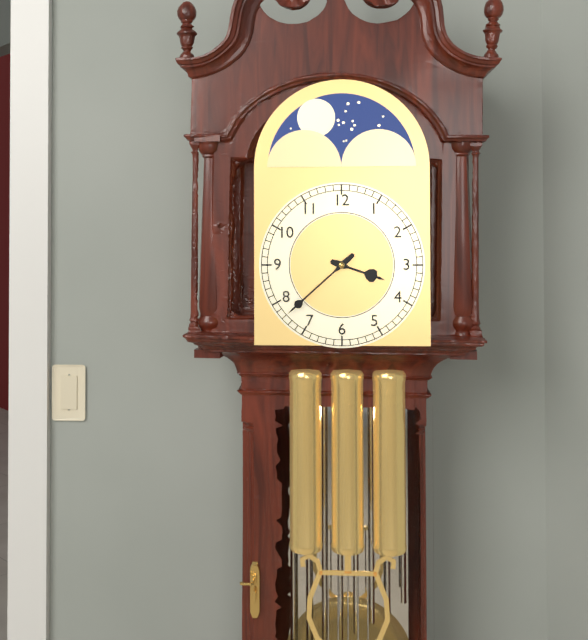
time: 3:38
